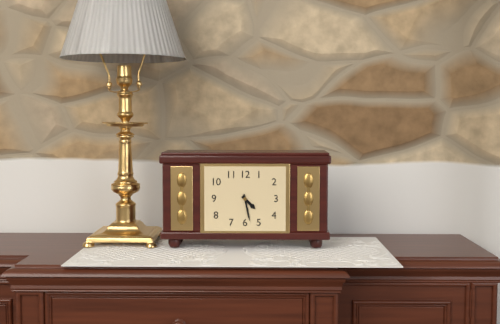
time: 4:28
